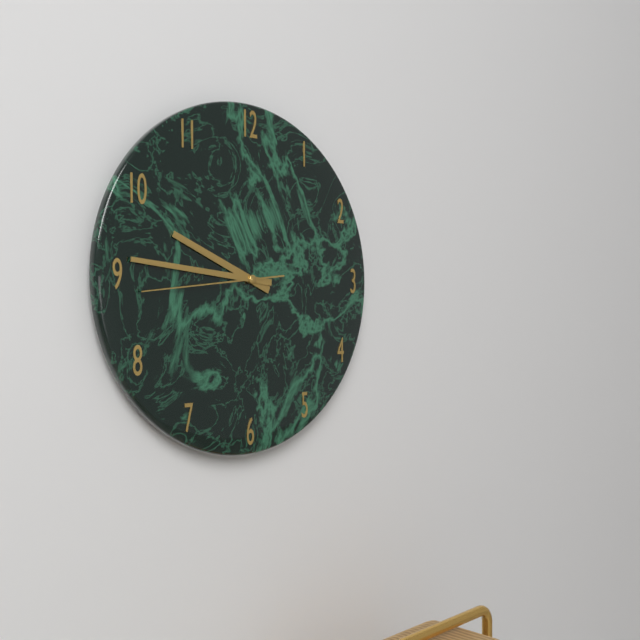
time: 9:46:44
